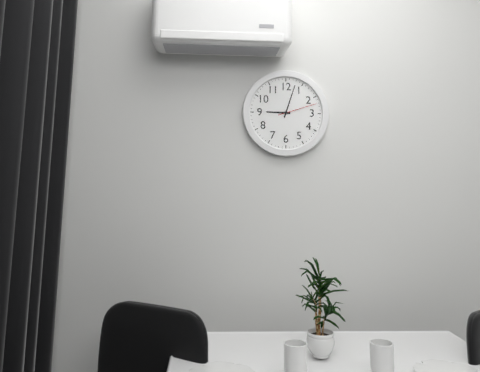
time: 9:03
